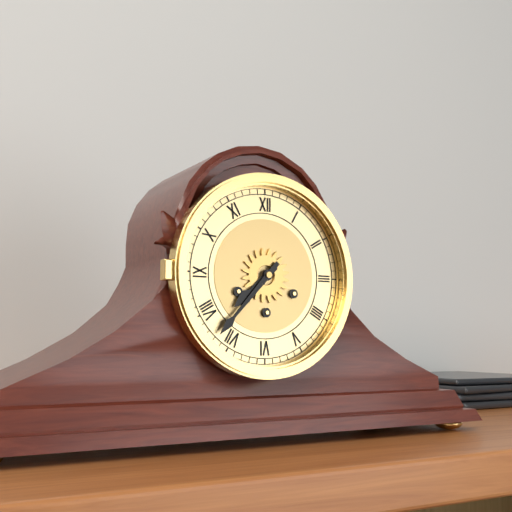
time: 7:37
